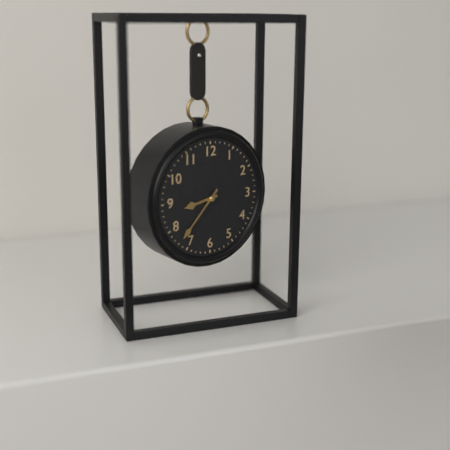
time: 8:37
